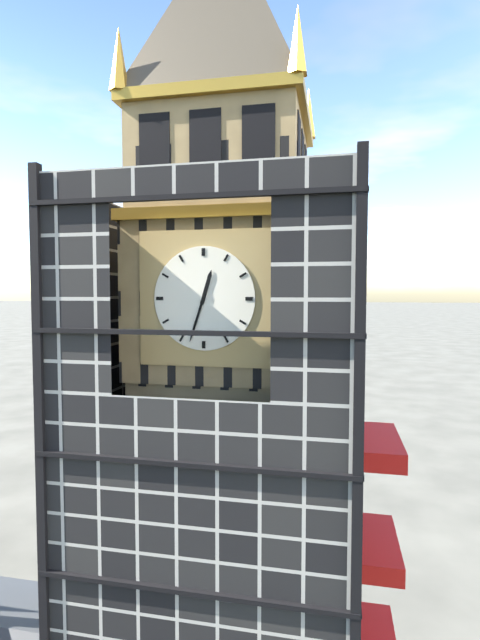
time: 12:33
